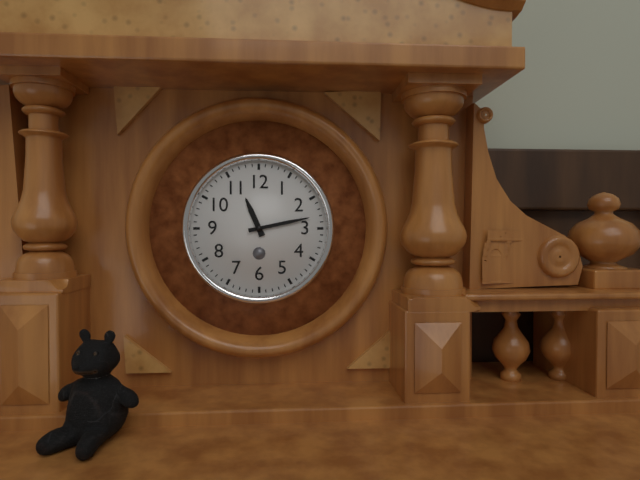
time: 11:13
